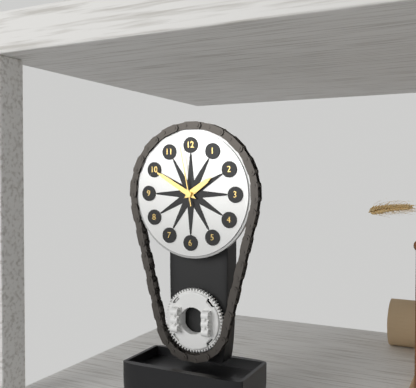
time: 1:50:58
